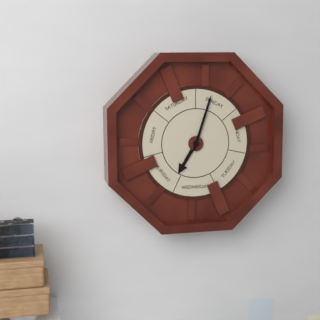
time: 7:03
